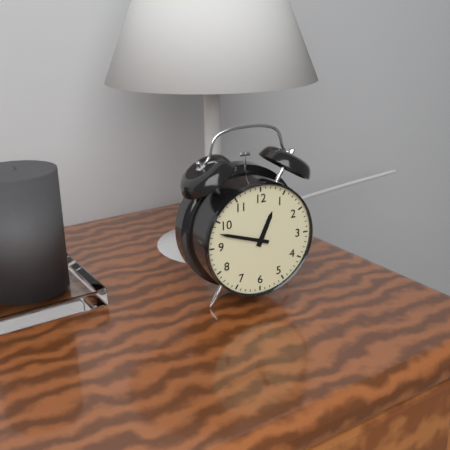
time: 12:48
